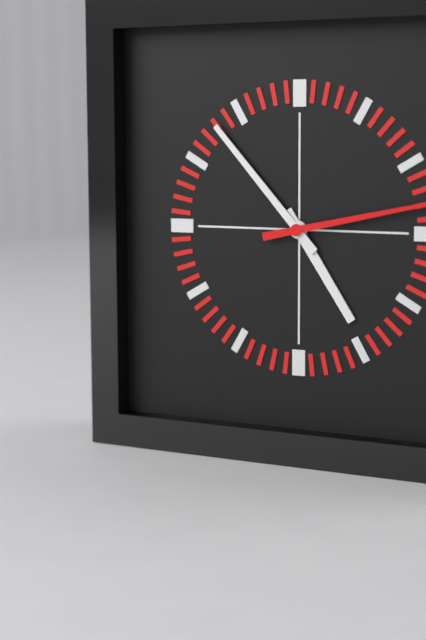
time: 4:53
